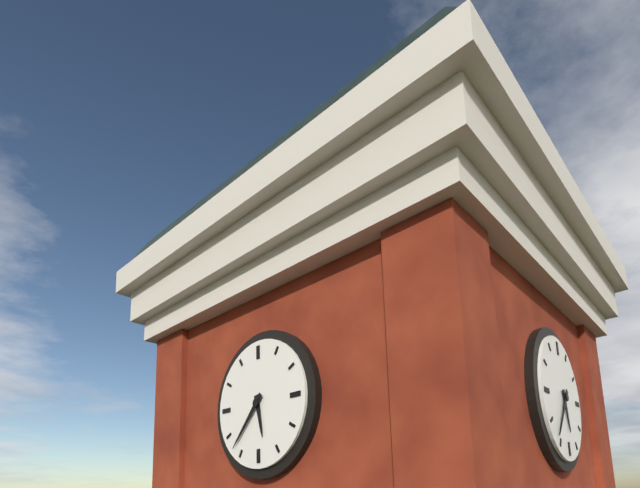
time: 5:37
